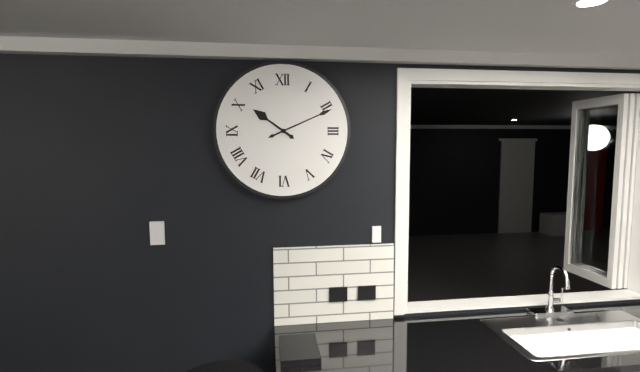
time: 10:11
